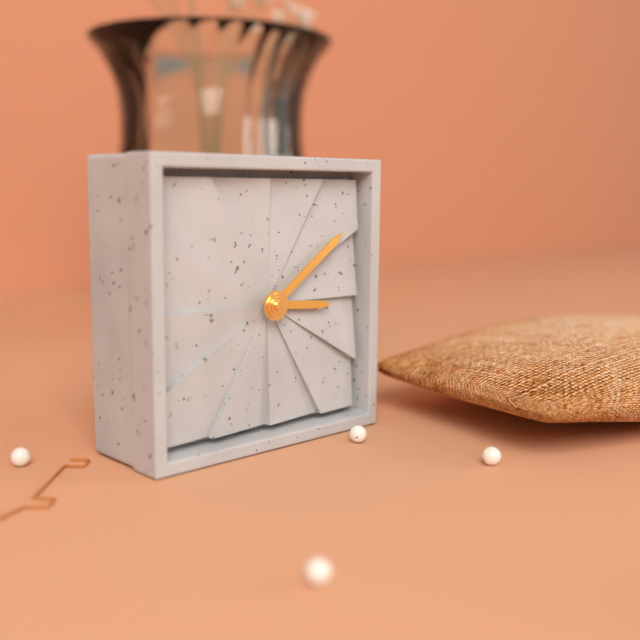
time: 3:09
